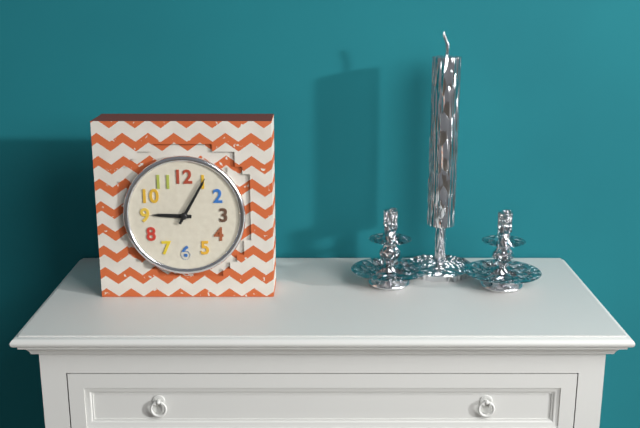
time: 9:05
